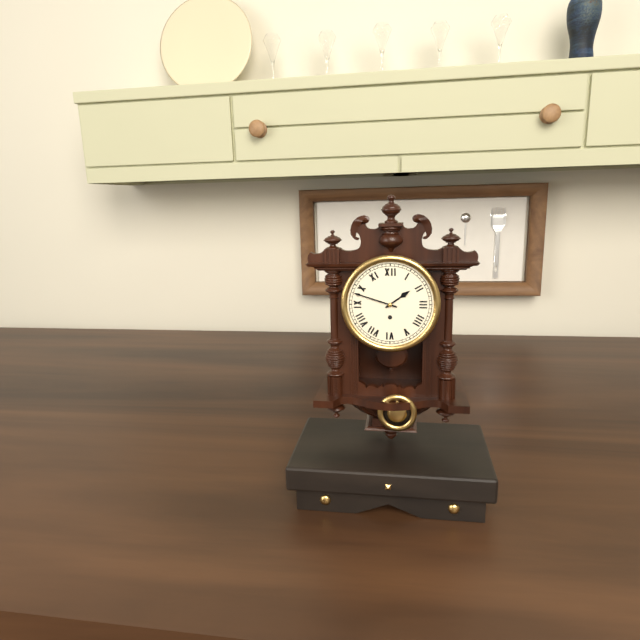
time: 1:48
